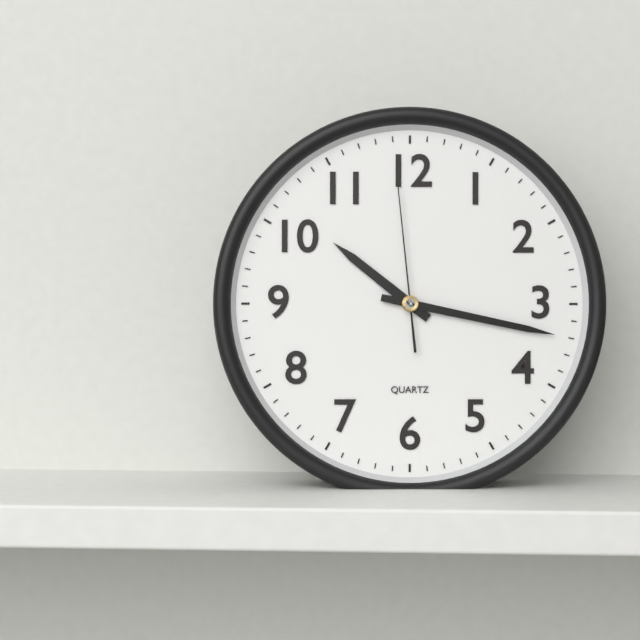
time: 10:17:59
